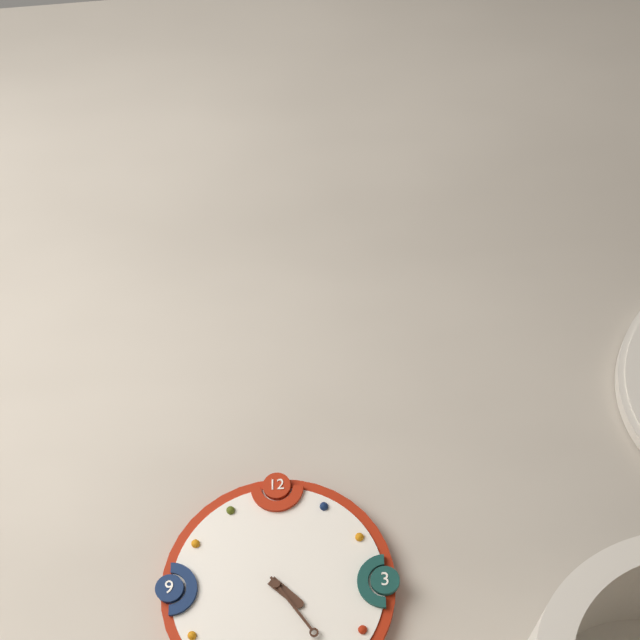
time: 4:24
